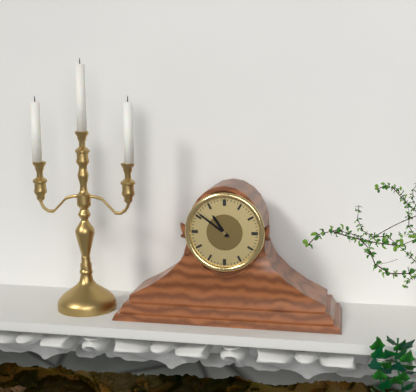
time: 10:51
